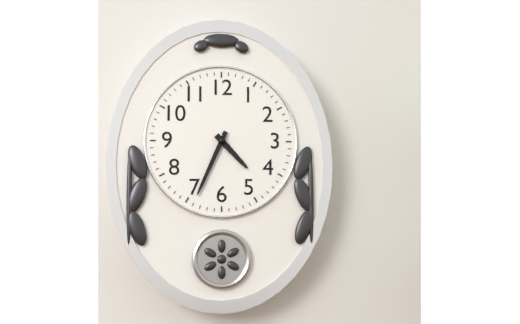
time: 4:34
